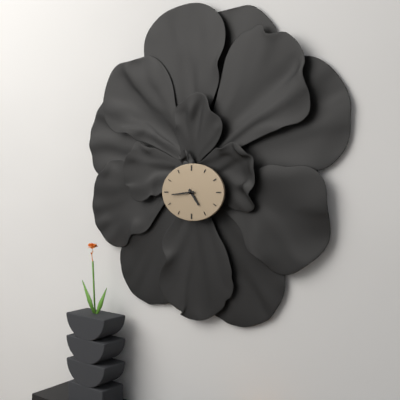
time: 4:44
